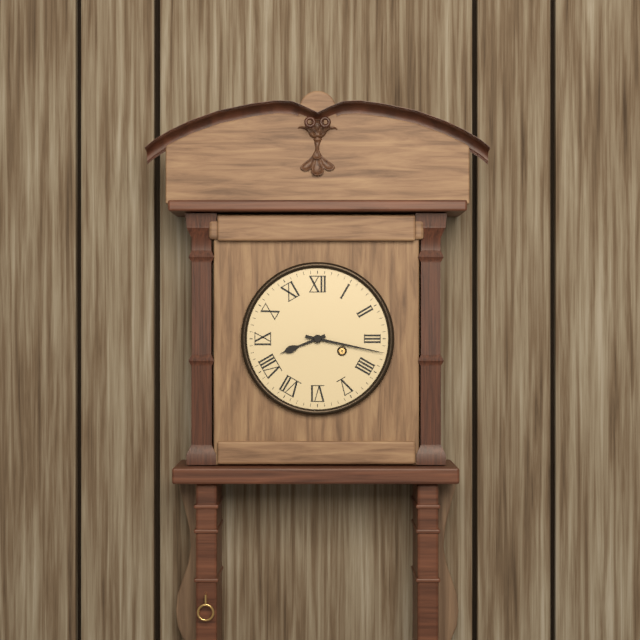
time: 8:17
